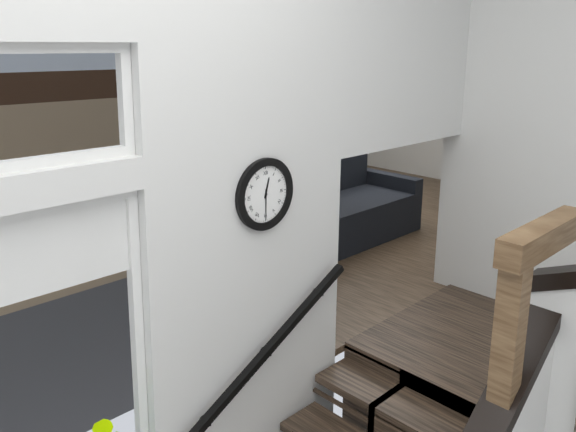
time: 12:30
